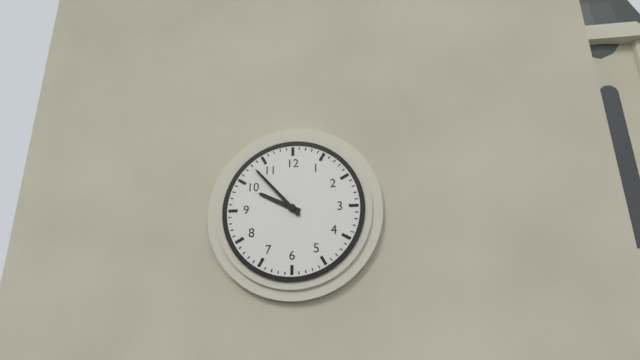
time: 9:53
